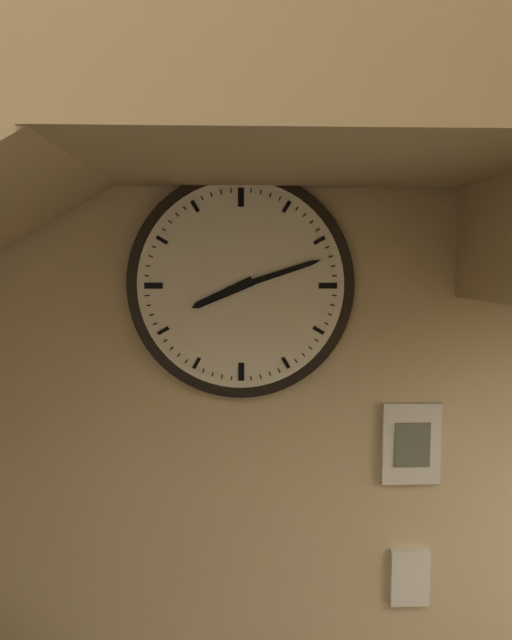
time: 8:12
